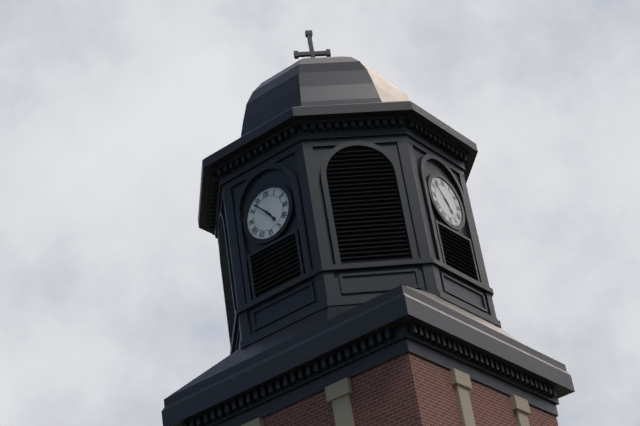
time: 4:53
